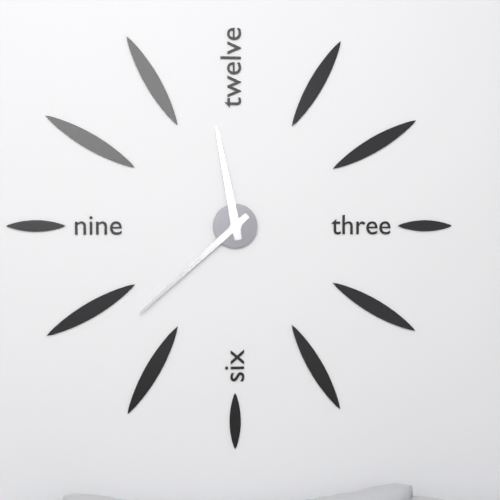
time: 11:38
